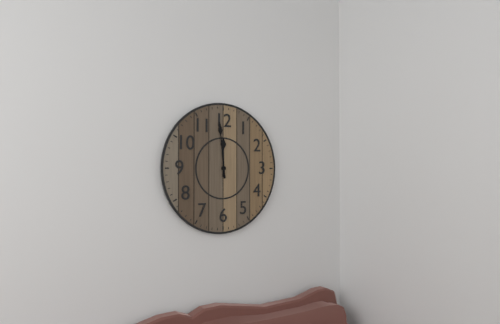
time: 11:59
